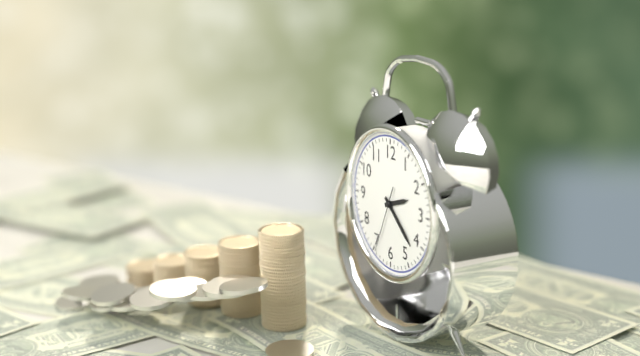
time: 2:22:34
